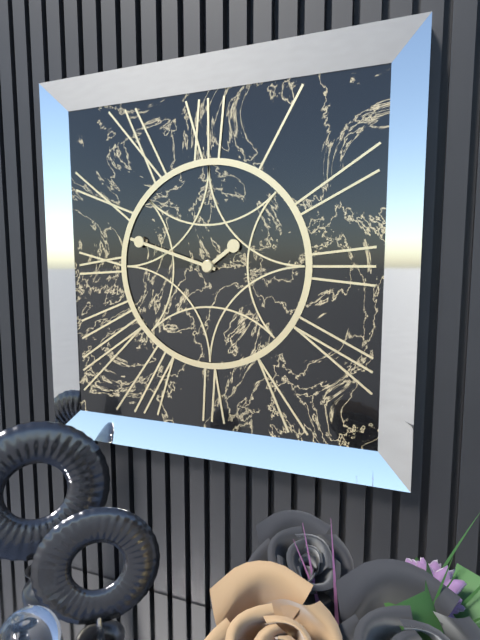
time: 1:48
